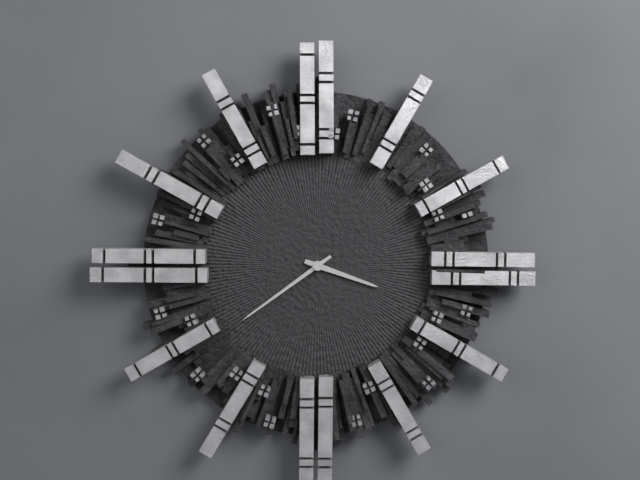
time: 3:39
